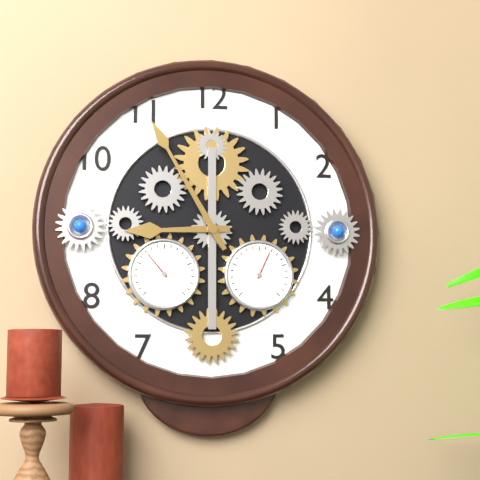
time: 8:55
